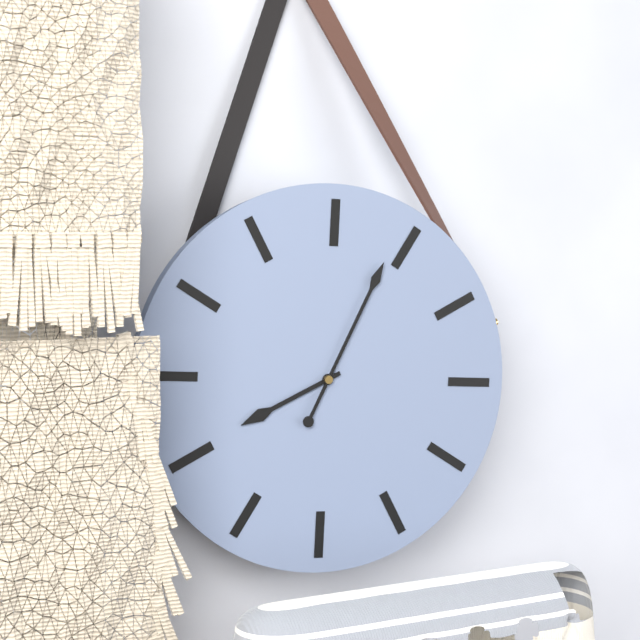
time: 8:04
